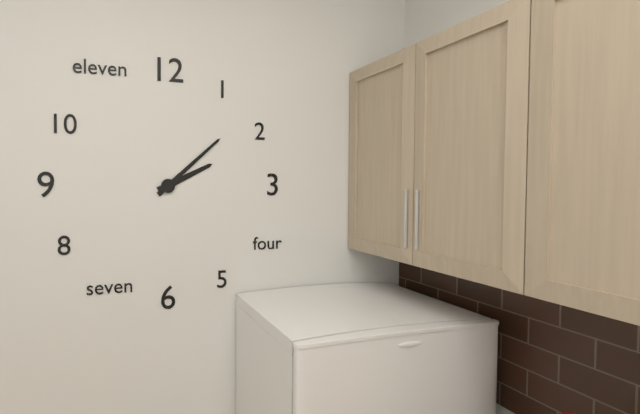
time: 2:08
